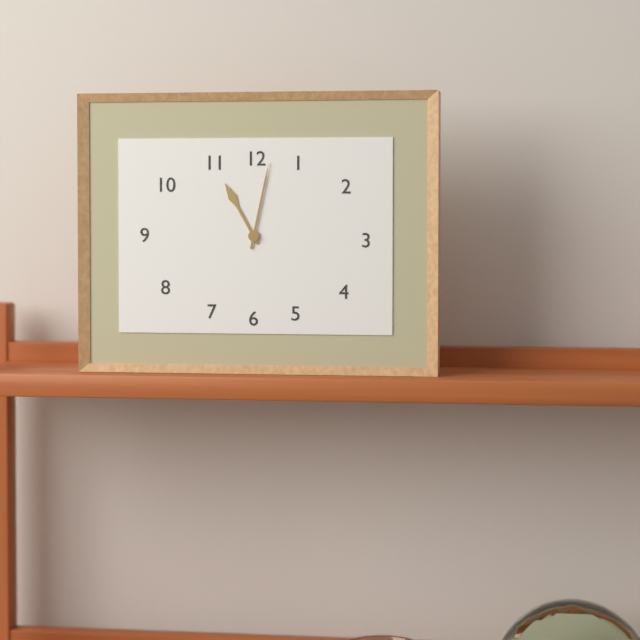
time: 11:02
